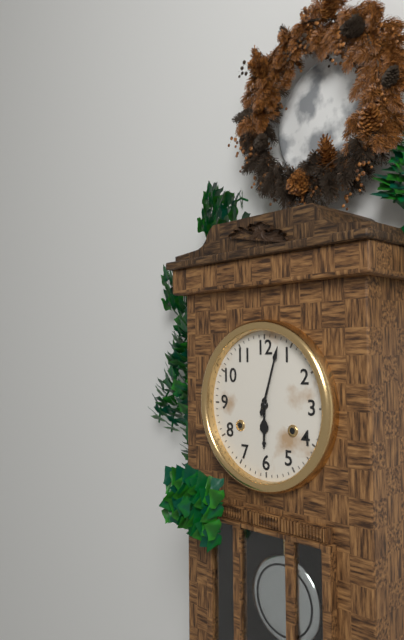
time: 6:03
